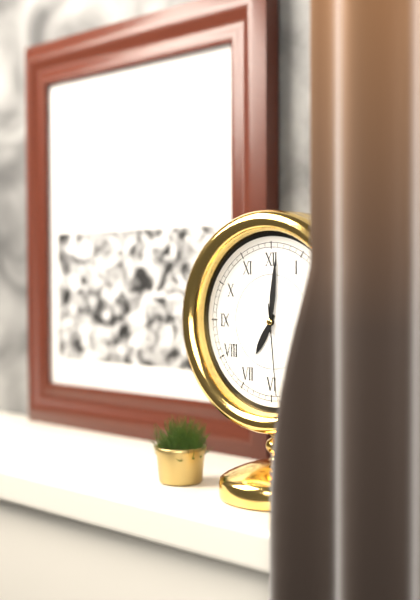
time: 7:01:29
